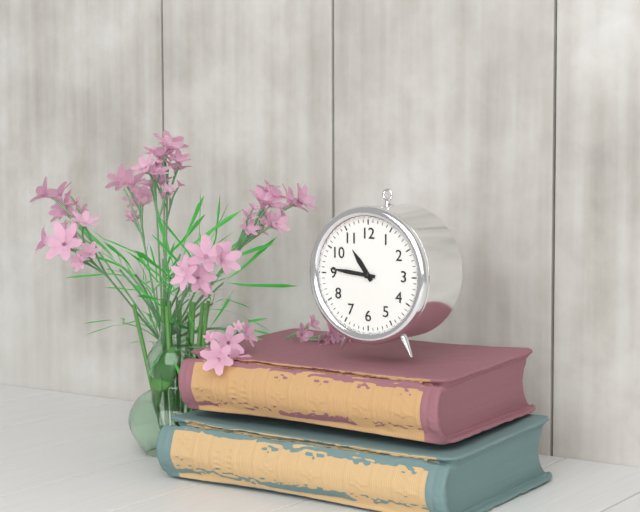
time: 10:46
